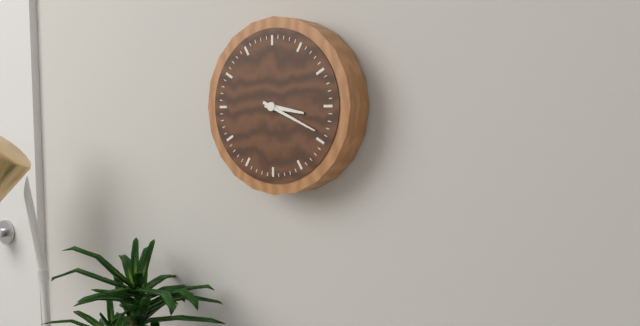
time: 3:19
